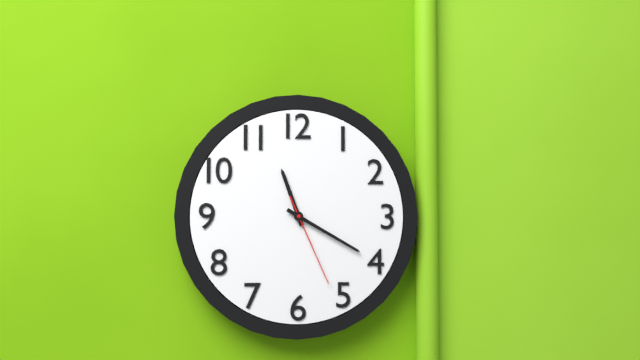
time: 11:20:26
